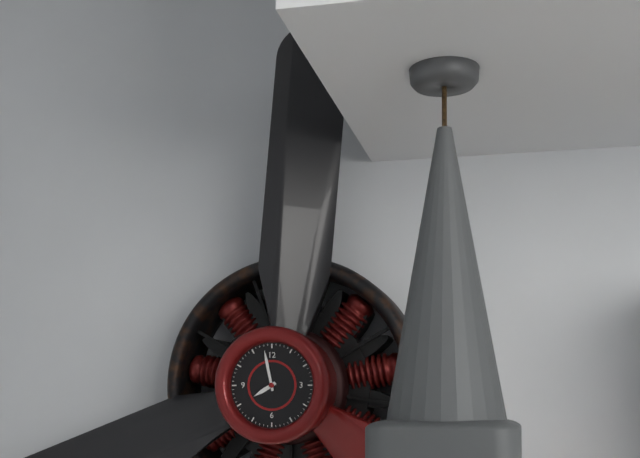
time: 7:58
